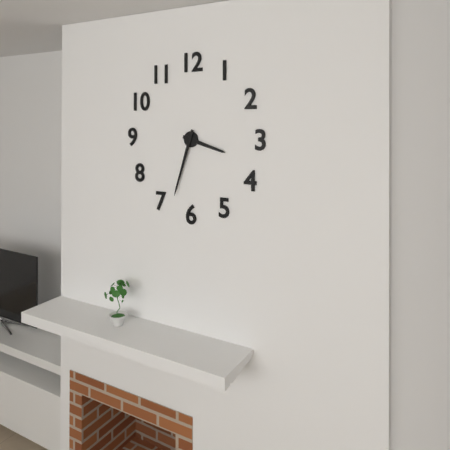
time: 3:33
